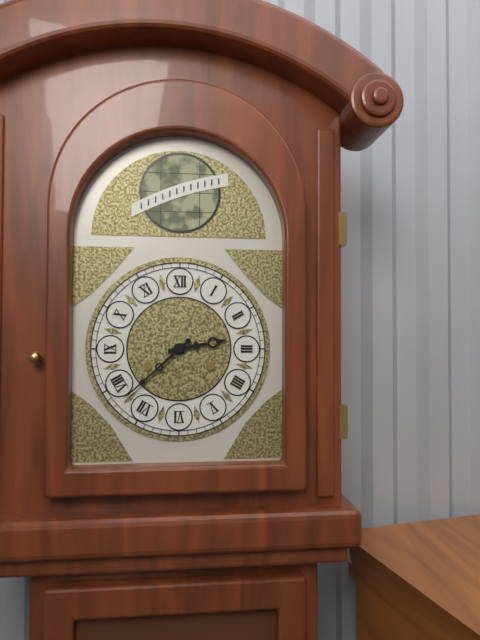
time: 2:38
